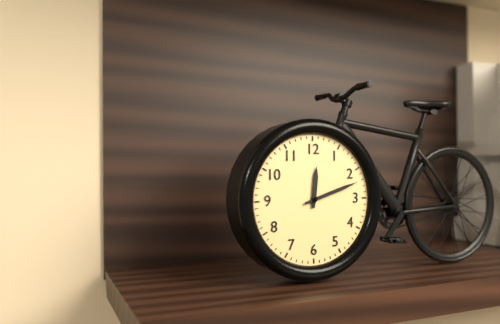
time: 12:12
